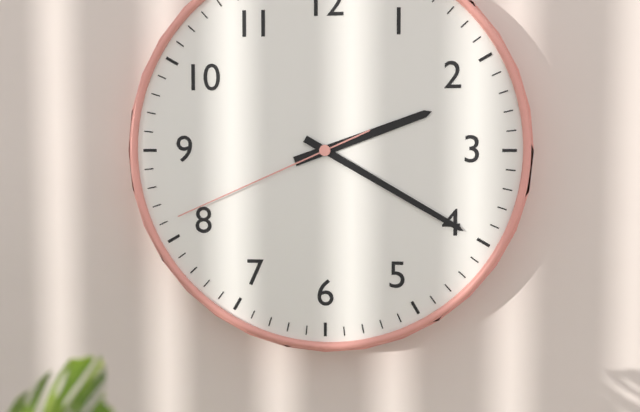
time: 2:20:41
